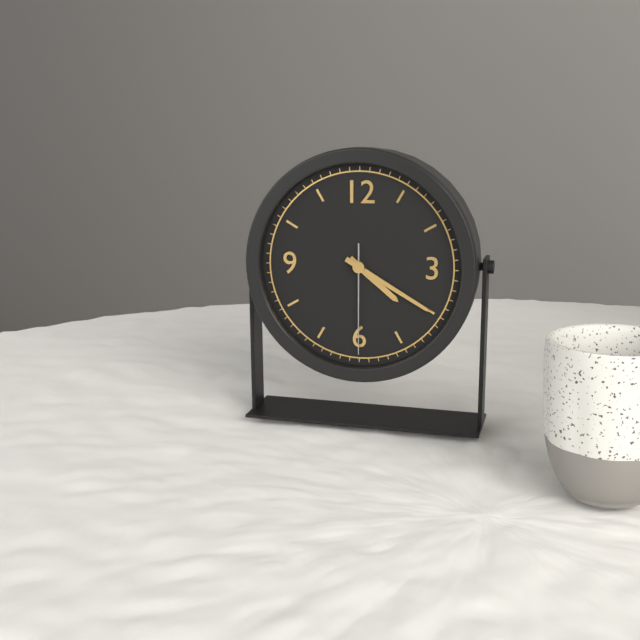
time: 4:20:30
